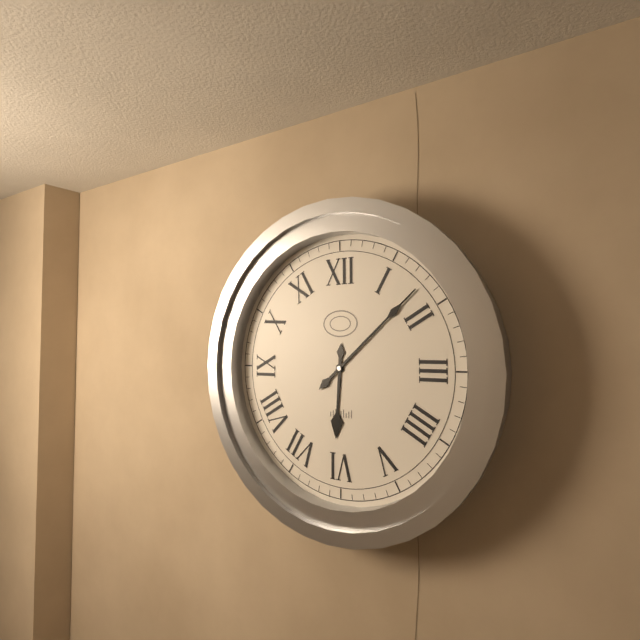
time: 6:08
